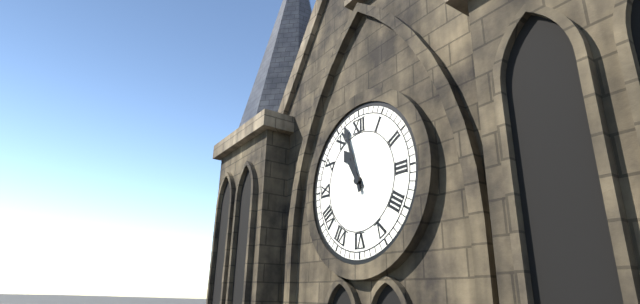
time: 10:57
